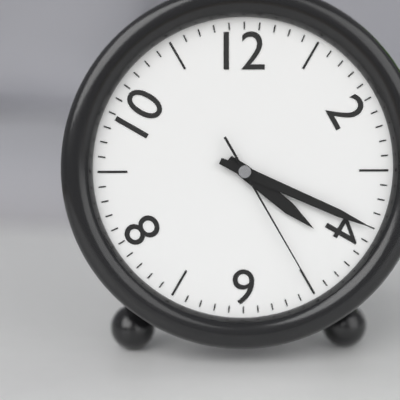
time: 4:19:25
